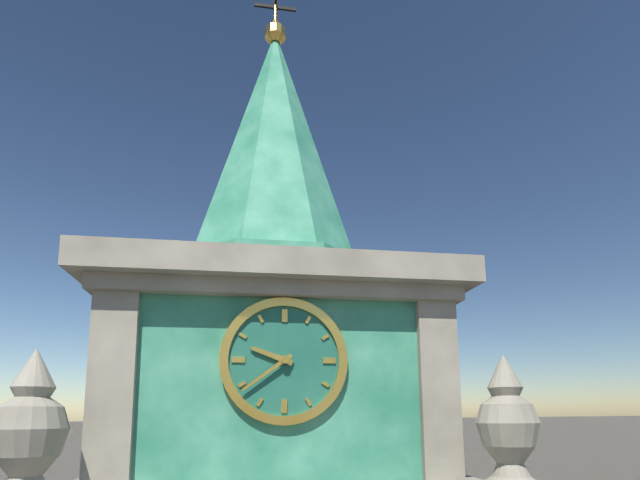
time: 9:39
